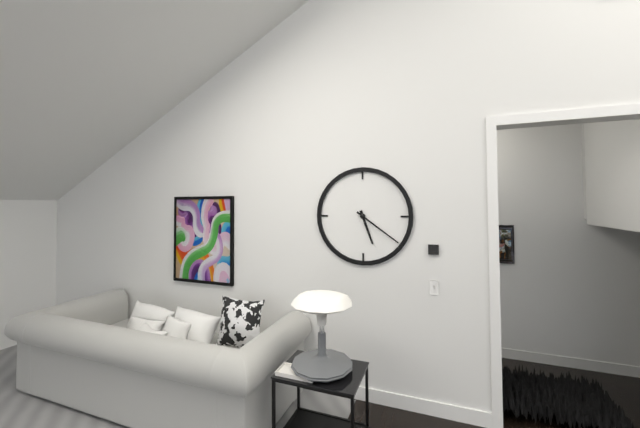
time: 5:21
